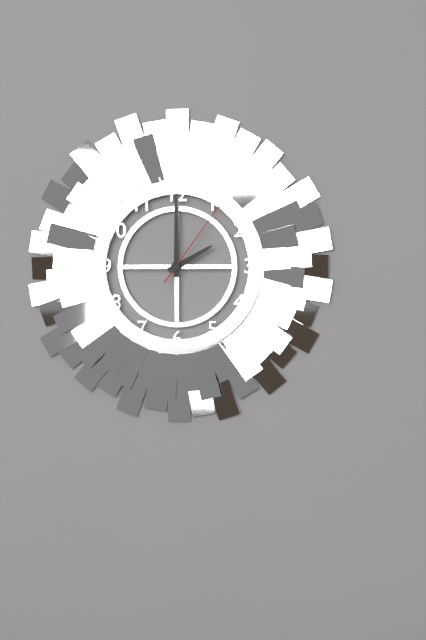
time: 2:00:06
